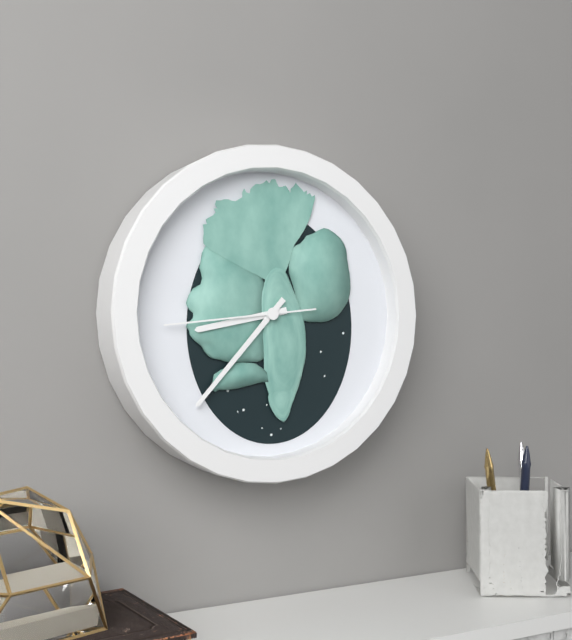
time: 8:37:44
